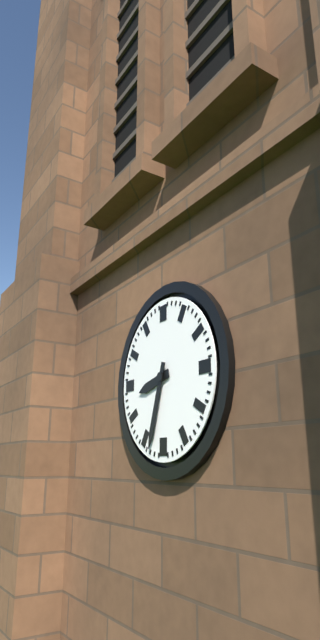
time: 8:33
